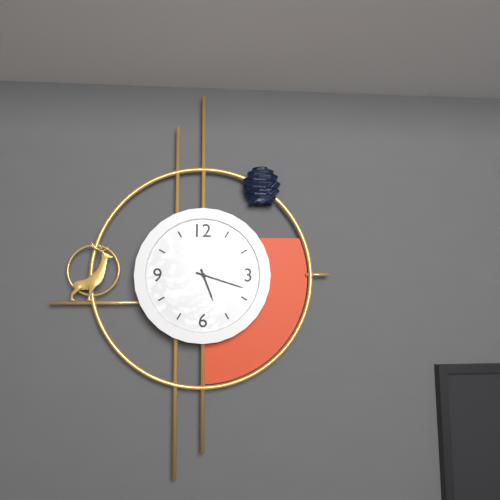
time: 5:18:38
